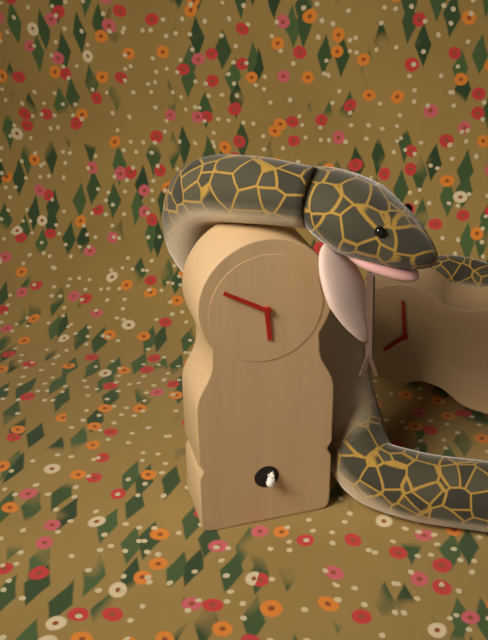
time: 5:50
